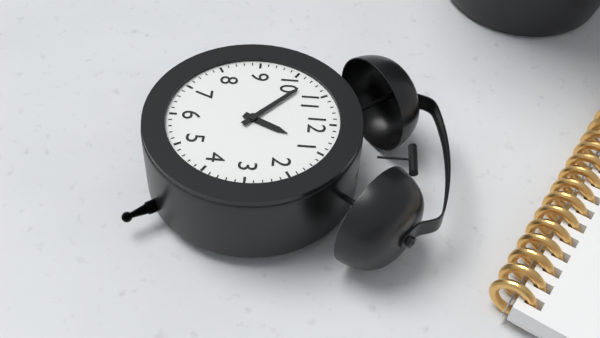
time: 12:52
